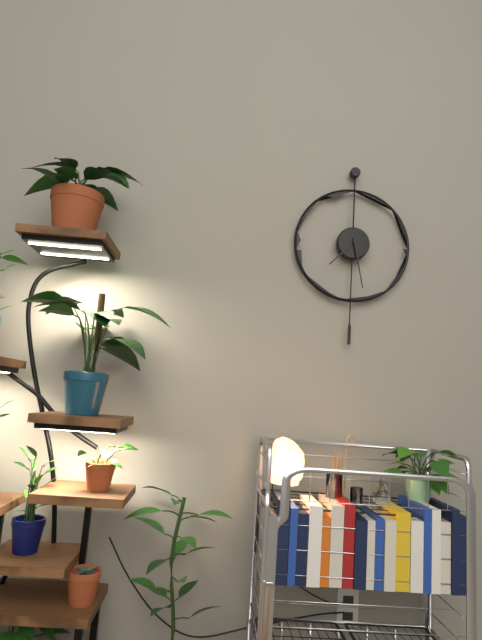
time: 7:28
